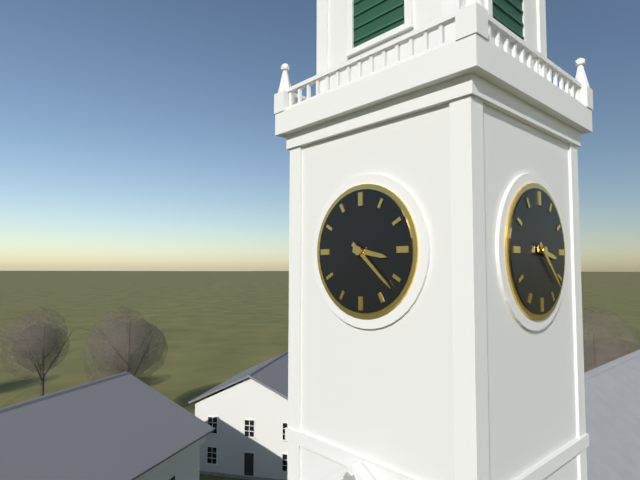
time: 3:22
